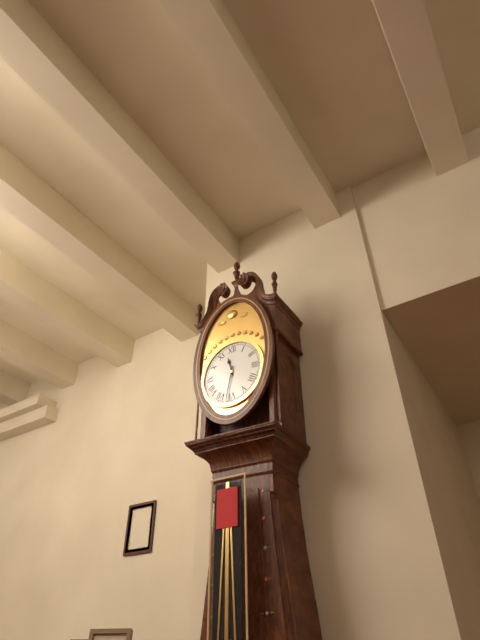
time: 11:32
